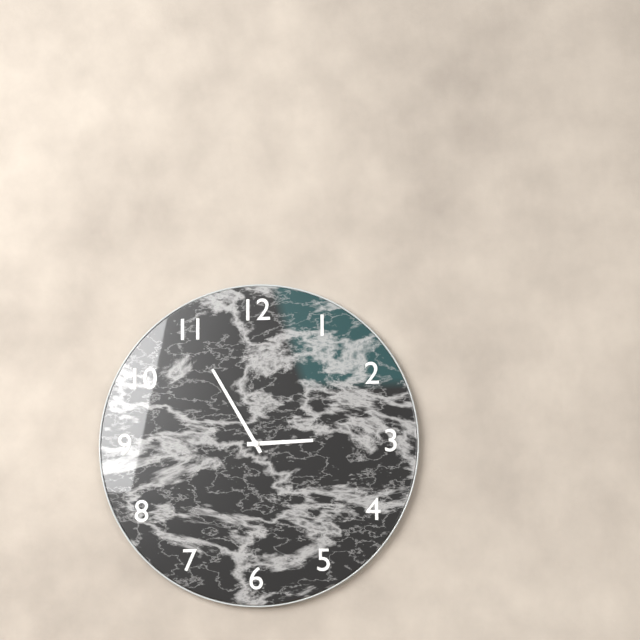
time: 2:55
